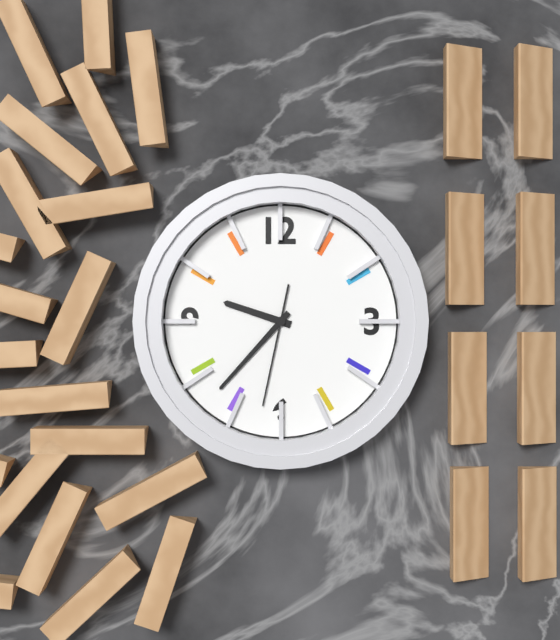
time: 9:37:32
